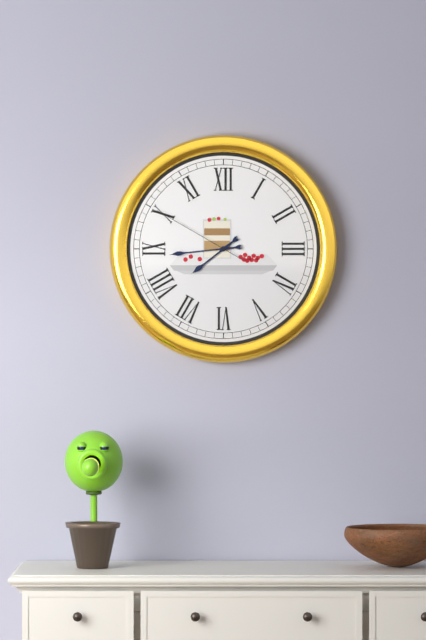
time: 7:44:50
